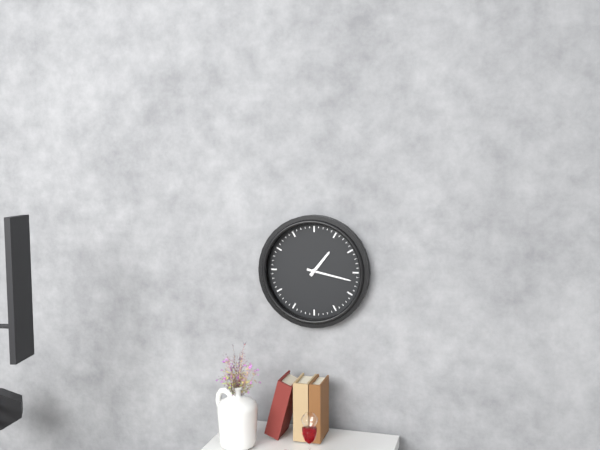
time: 1:17
